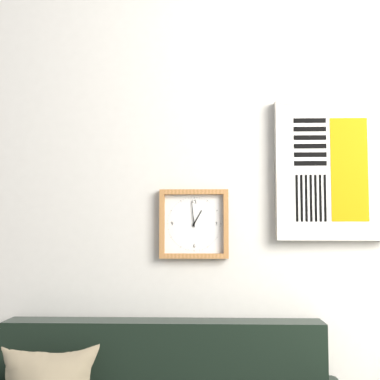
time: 12:59
